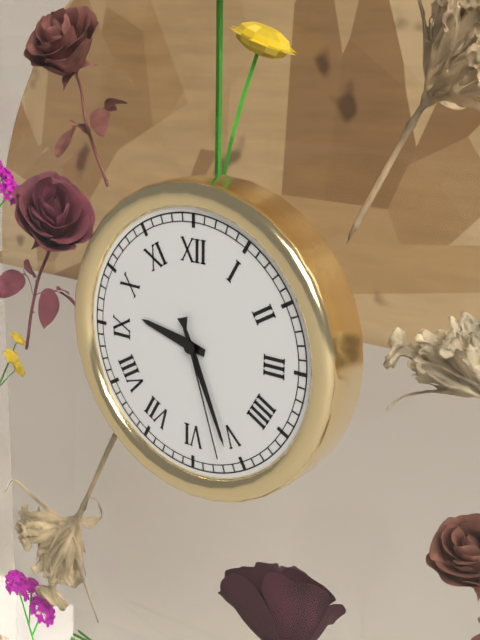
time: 9:26:27
